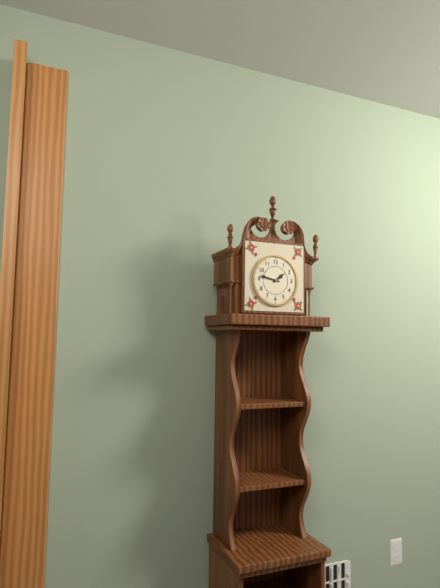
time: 1:47
